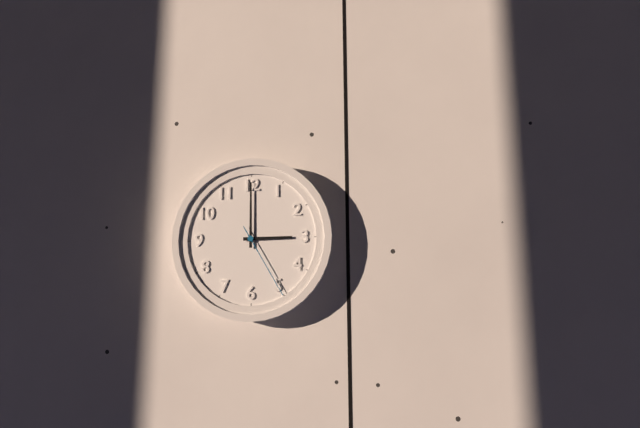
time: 3:00:25
